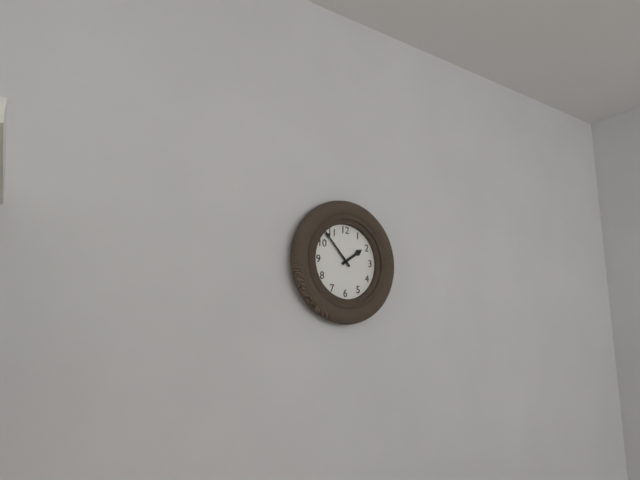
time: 1:53
